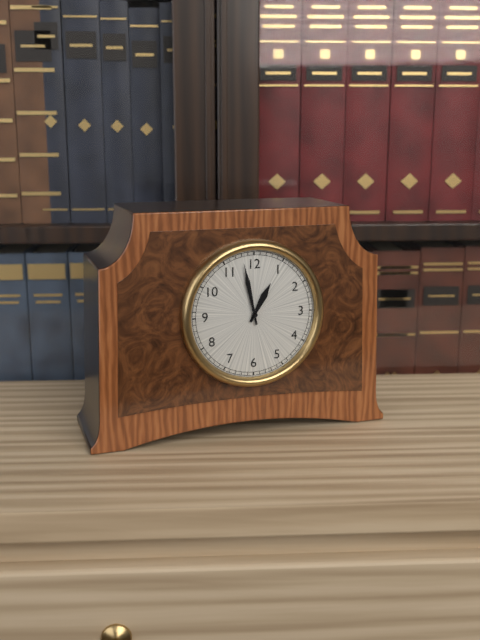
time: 12:58
